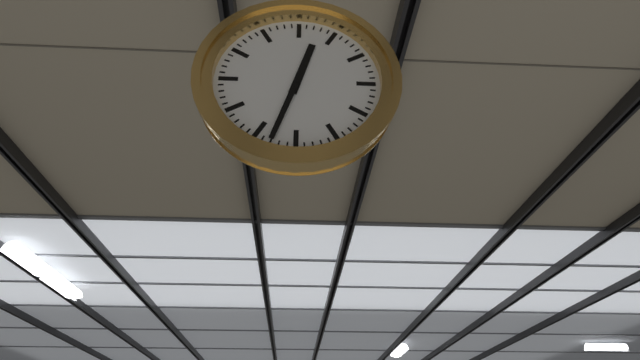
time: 12:33
